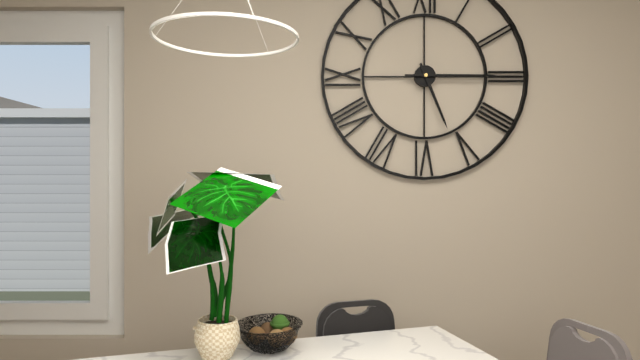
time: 5:15
